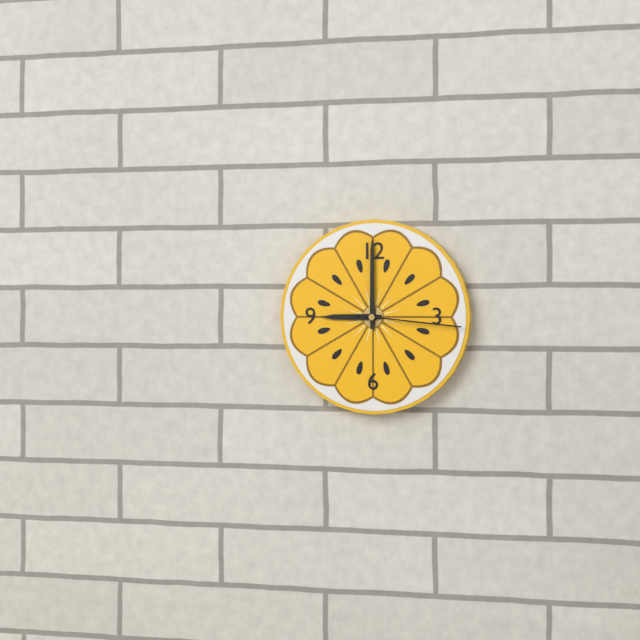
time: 9:00:16
